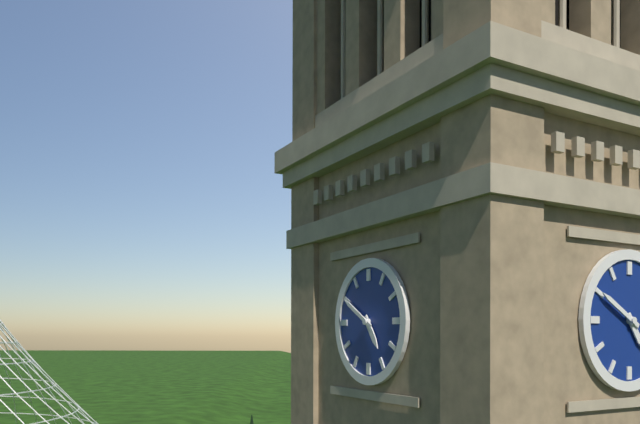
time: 4:50
